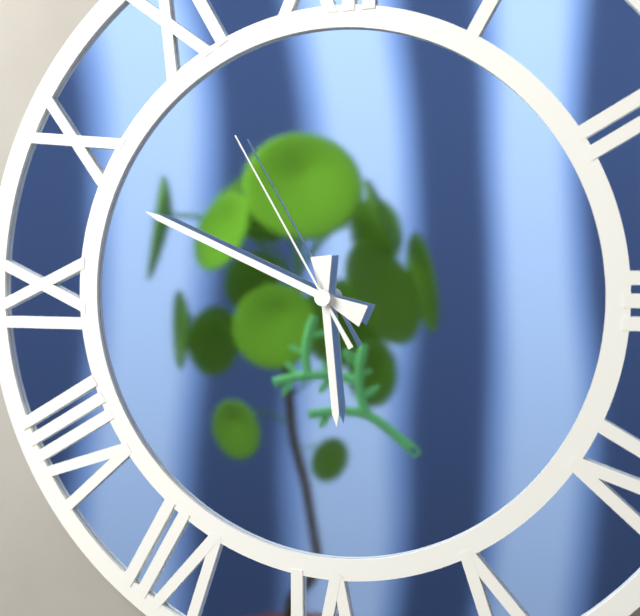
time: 5:49:55
